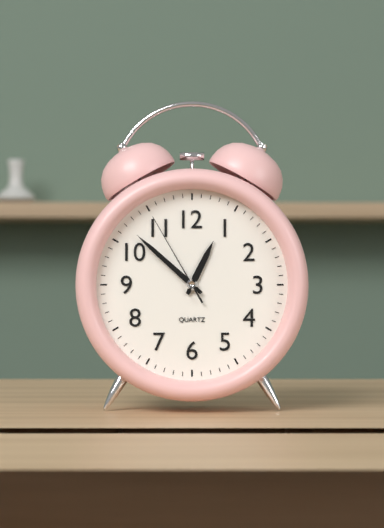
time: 12:52:55
